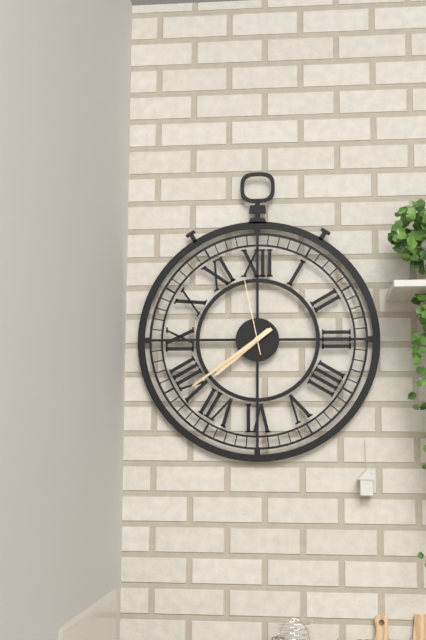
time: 7:39:58
